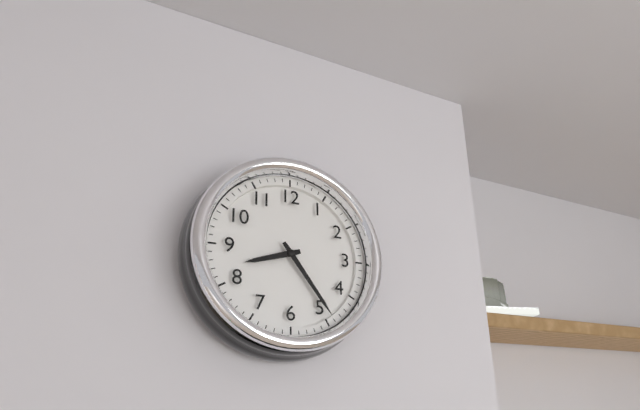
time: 8:24
